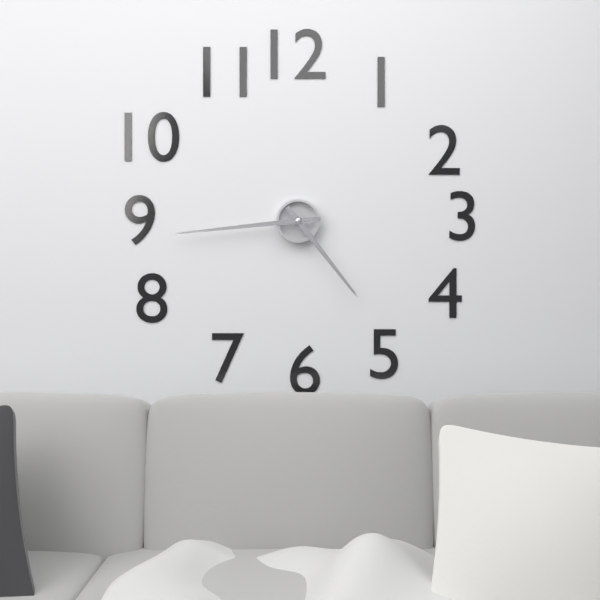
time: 4:44
